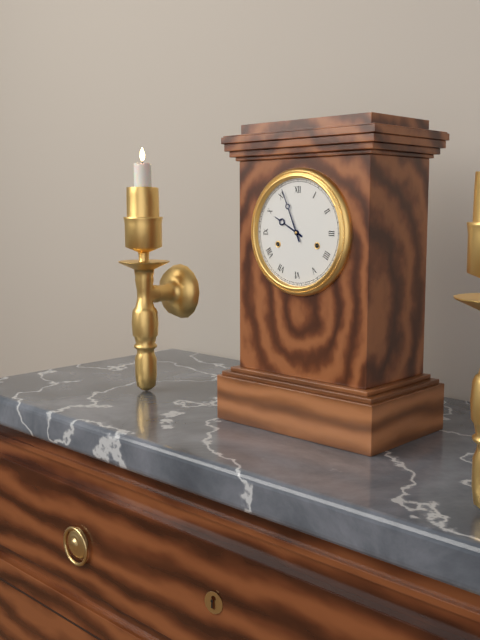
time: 9:56
